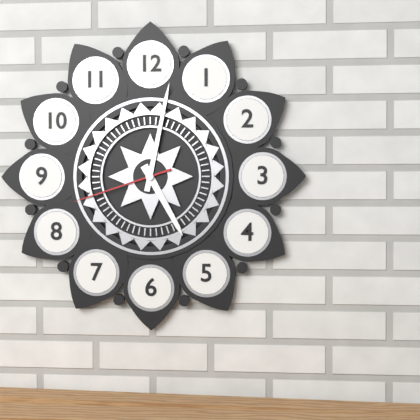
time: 5:02:42
